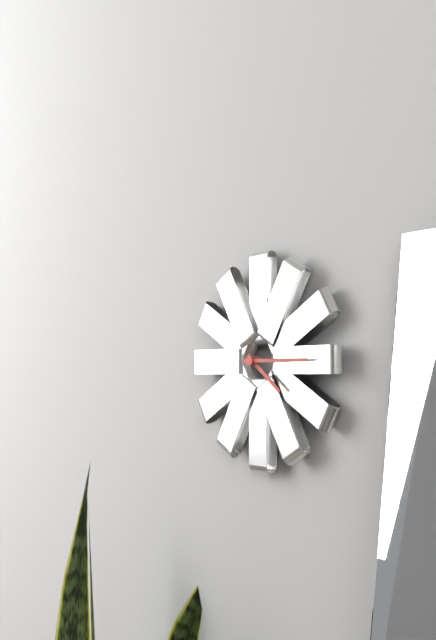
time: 4:15
